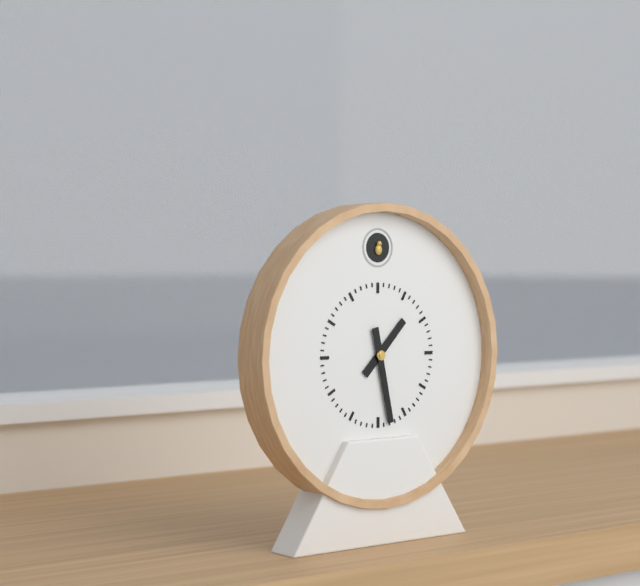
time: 1:28
